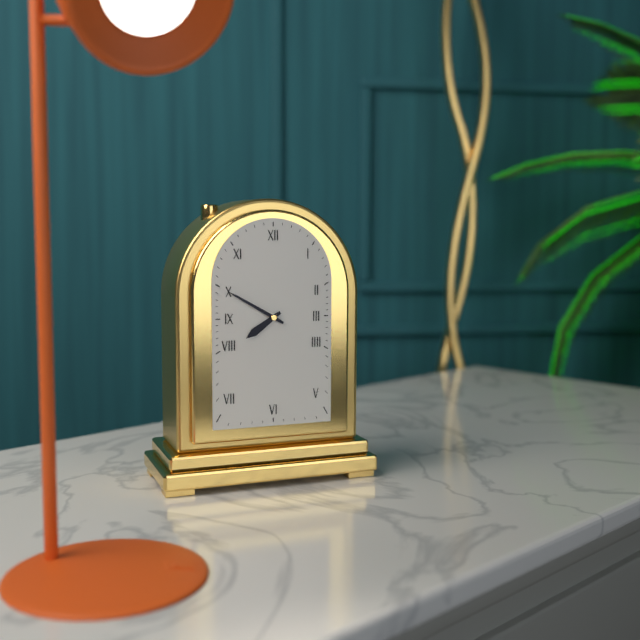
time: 7:50
